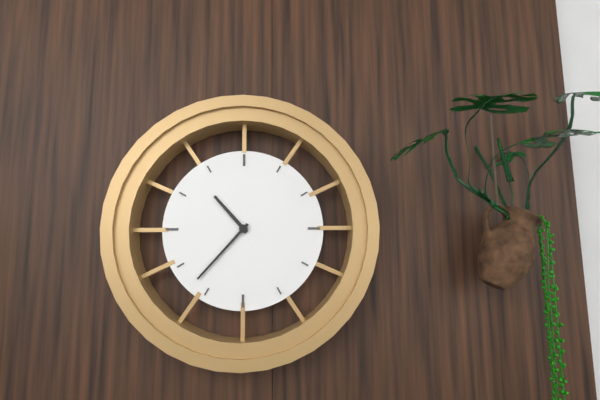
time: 10:37
